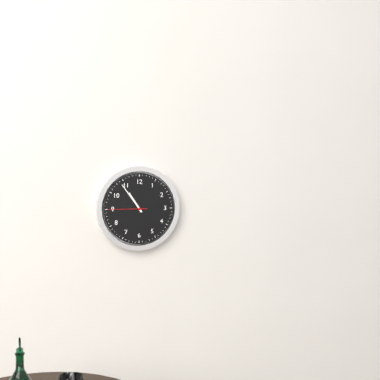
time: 10:54
